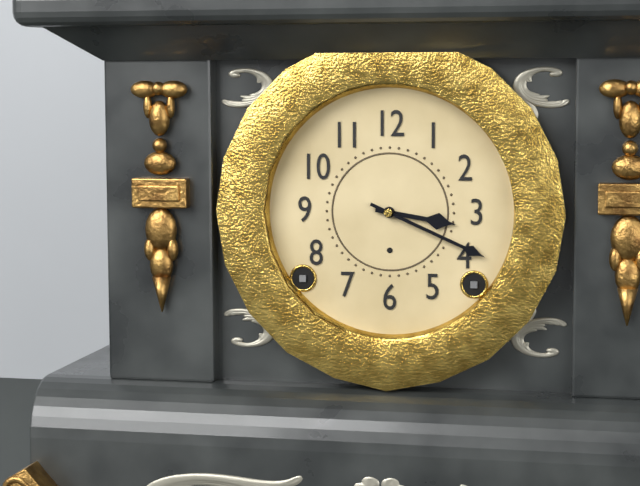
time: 3:19
